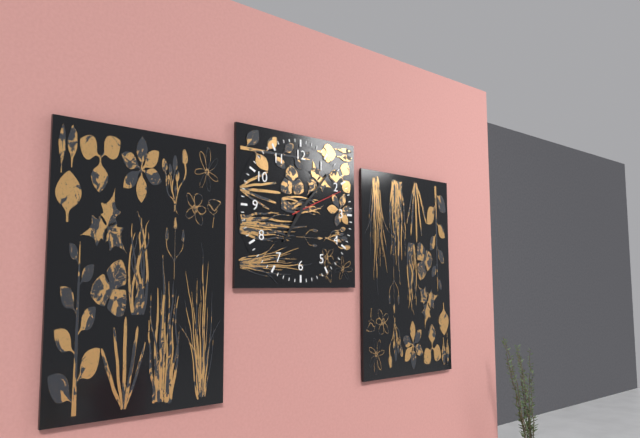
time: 7:07:11
